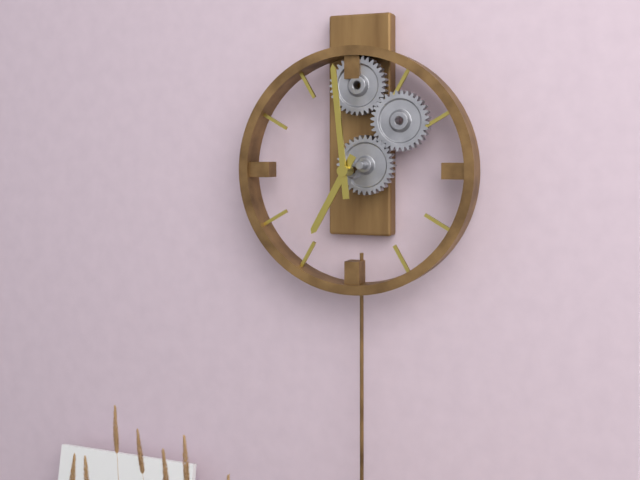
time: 6:59
